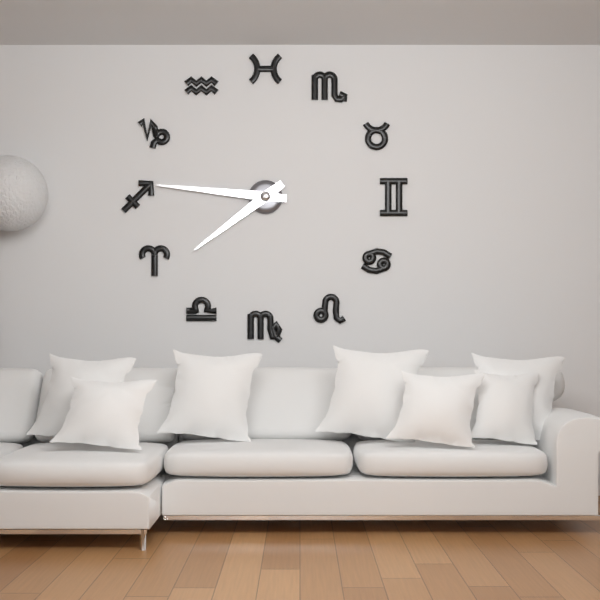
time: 7:46
